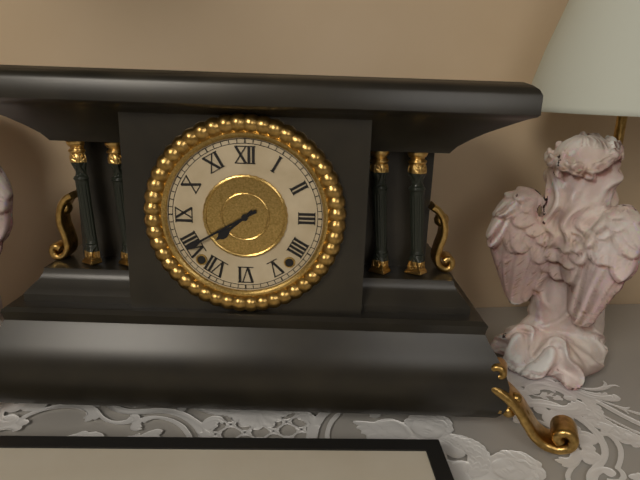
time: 7:40
